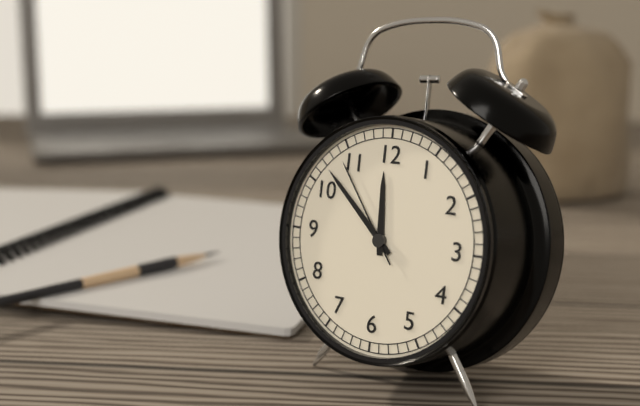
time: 11:52:54
